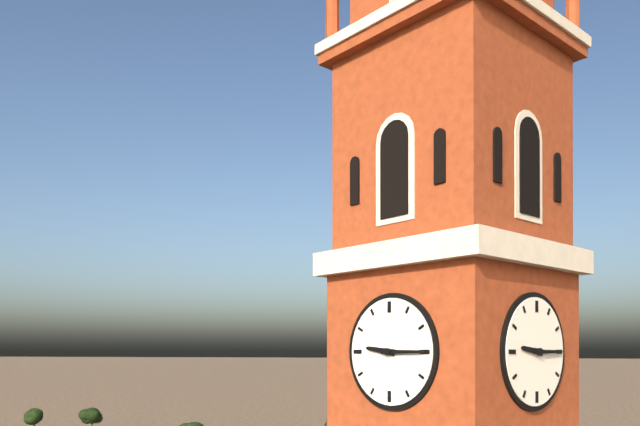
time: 9:15
